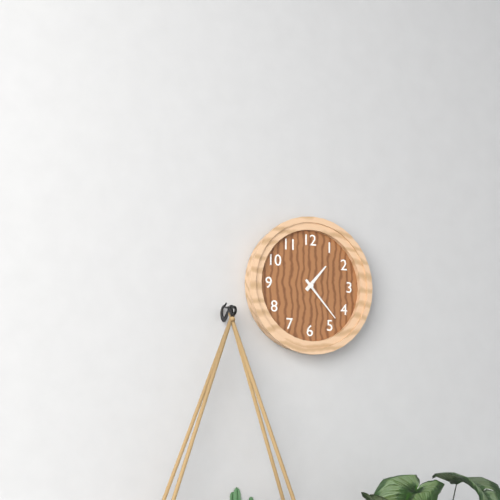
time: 1:23
